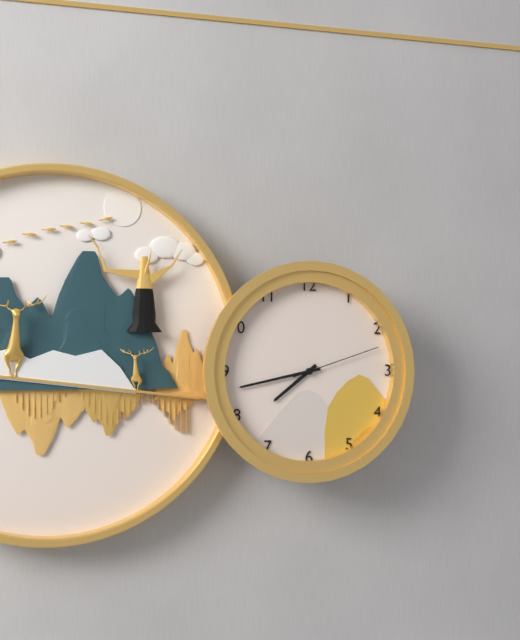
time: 7:43:12
